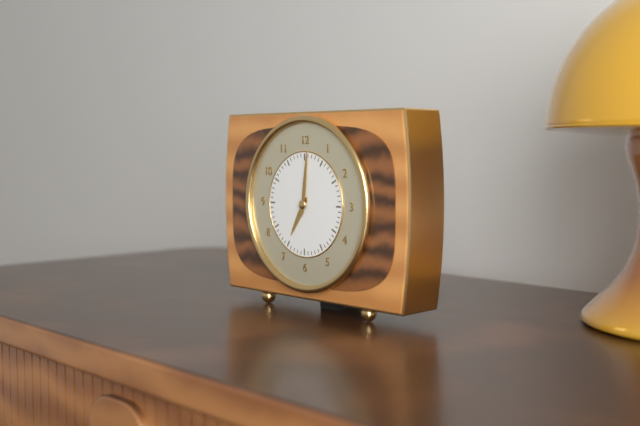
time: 7:01
